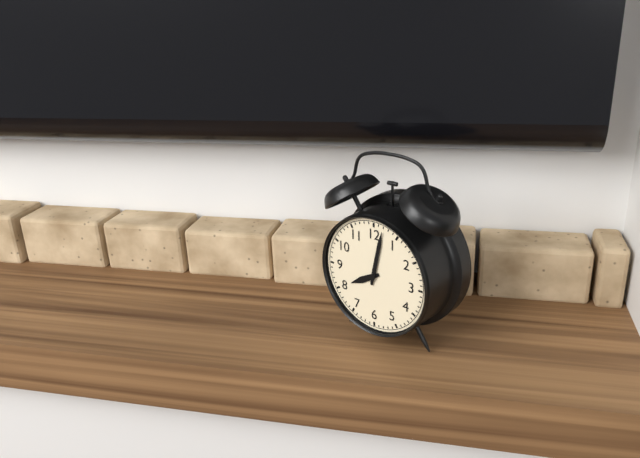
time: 8:02
